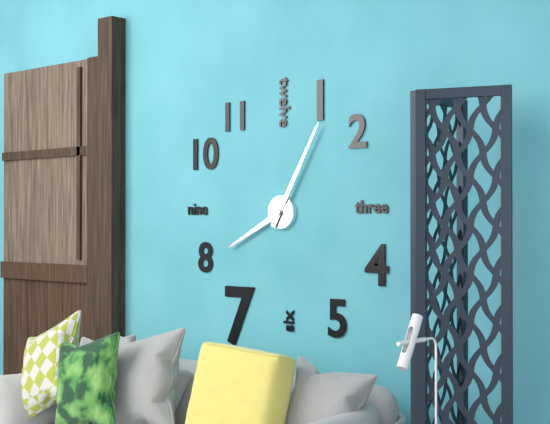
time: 8:05
